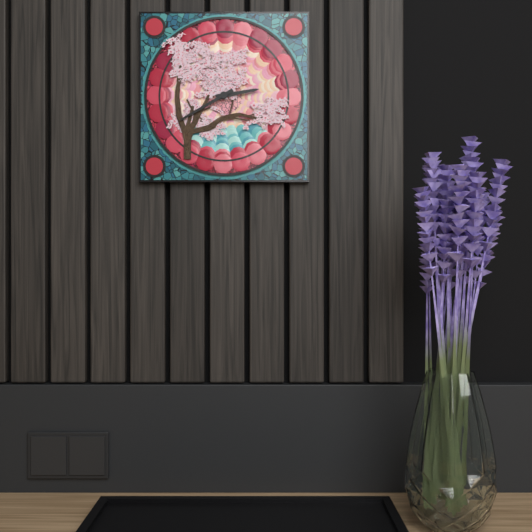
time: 2:40
